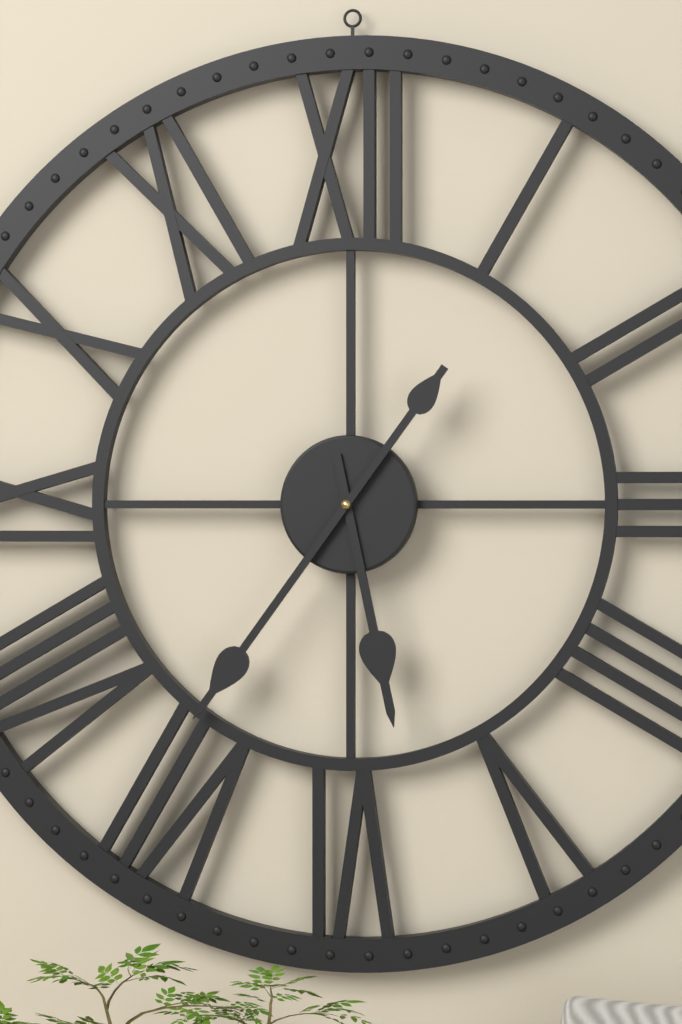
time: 5:36
